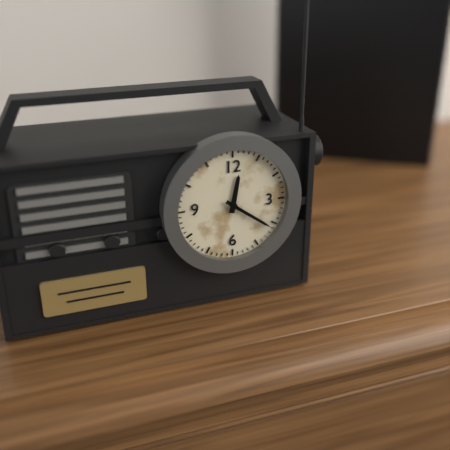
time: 12:21
